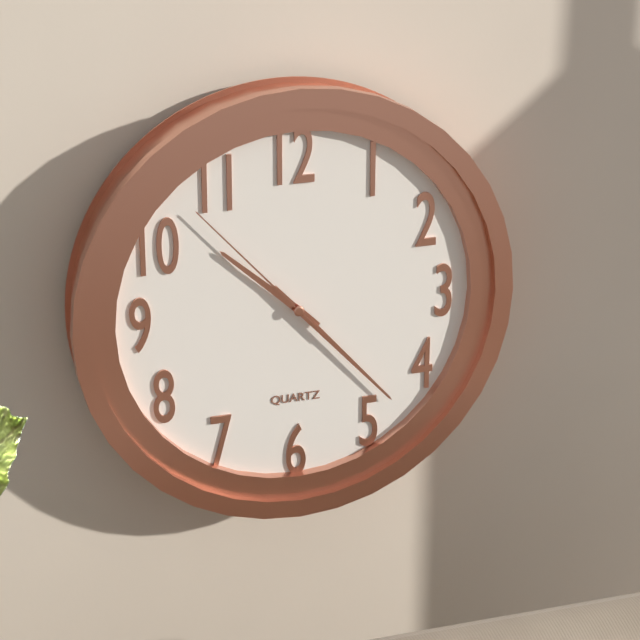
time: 10:23:53
